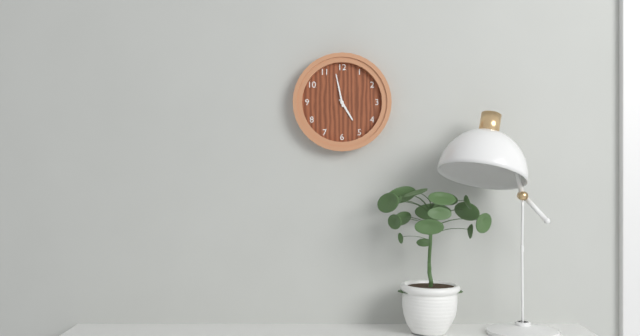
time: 4:58
